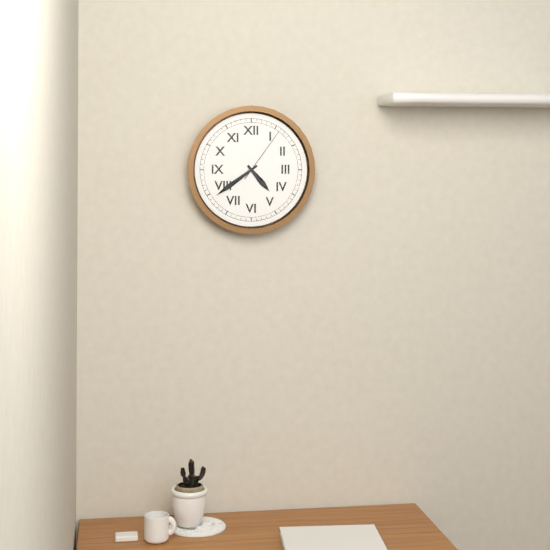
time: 4:39:06
